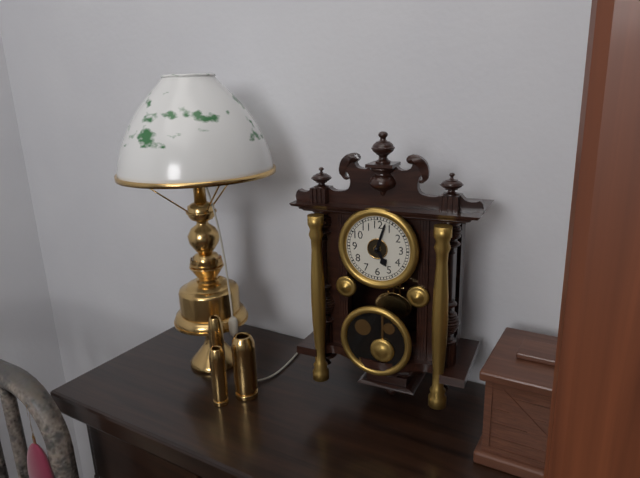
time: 5:03
